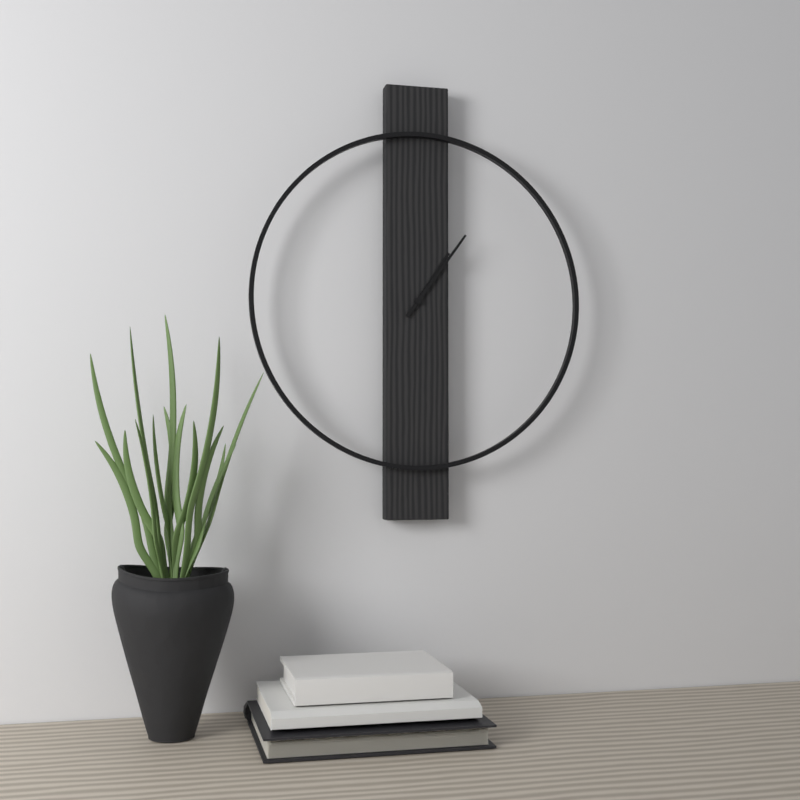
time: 1:06
